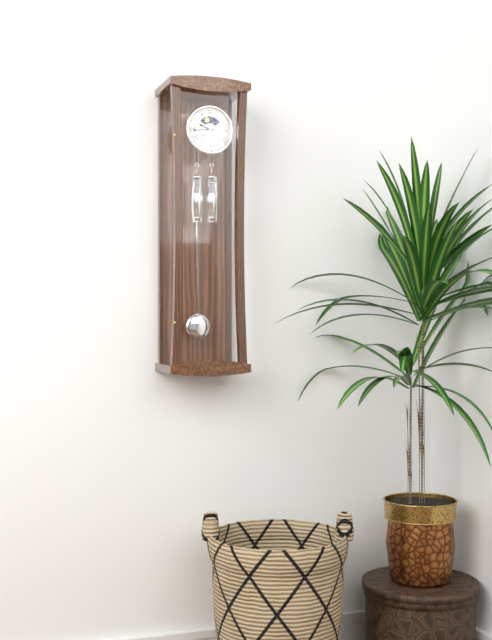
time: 9:44
